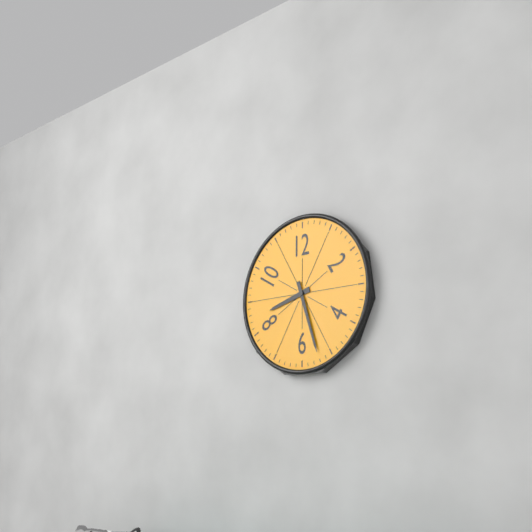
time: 8:27
